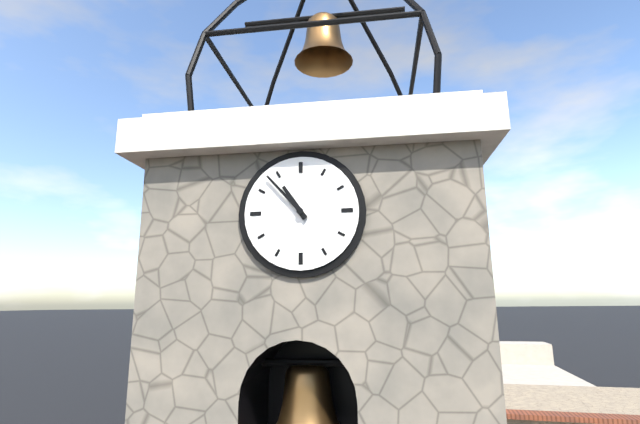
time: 10:53
